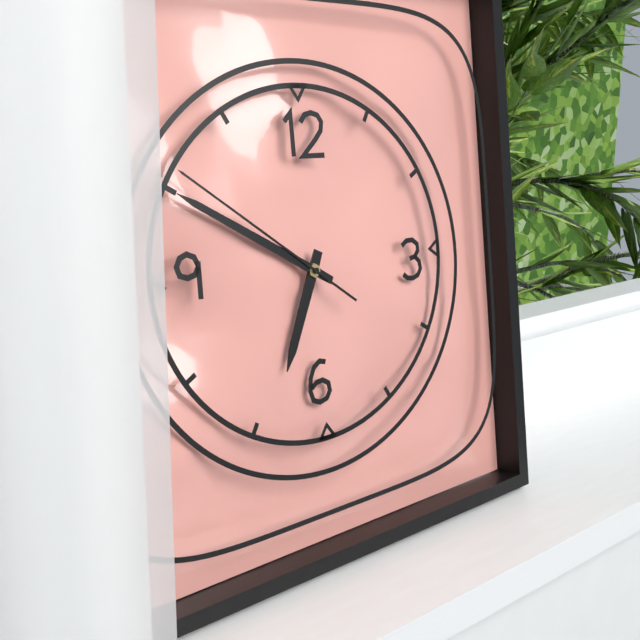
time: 6:50:51
